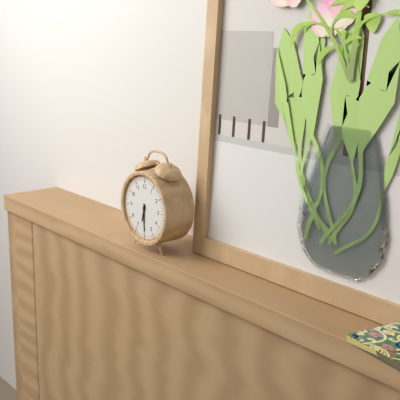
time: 6:30
